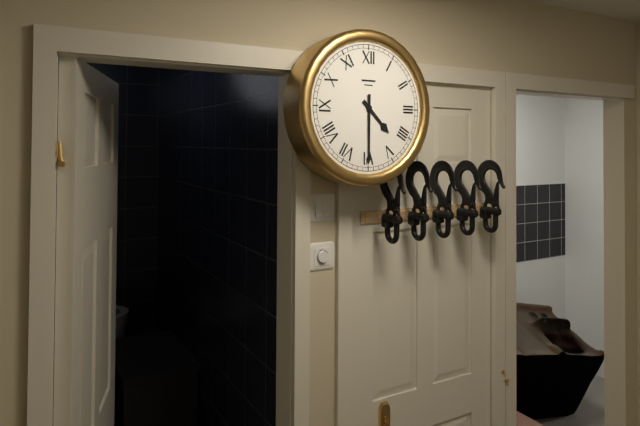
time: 4:30
